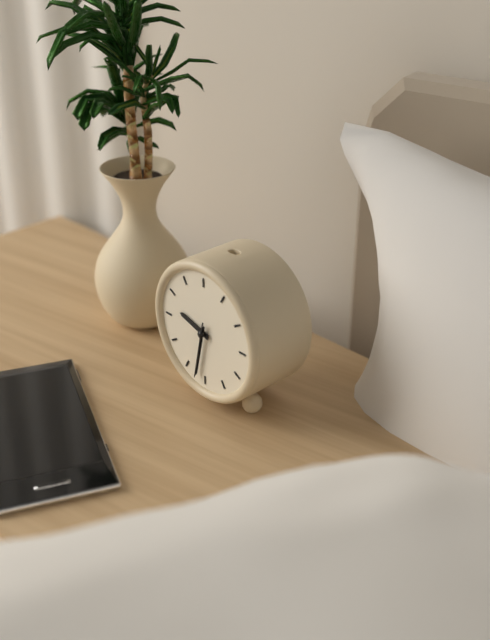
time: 9:32:32
